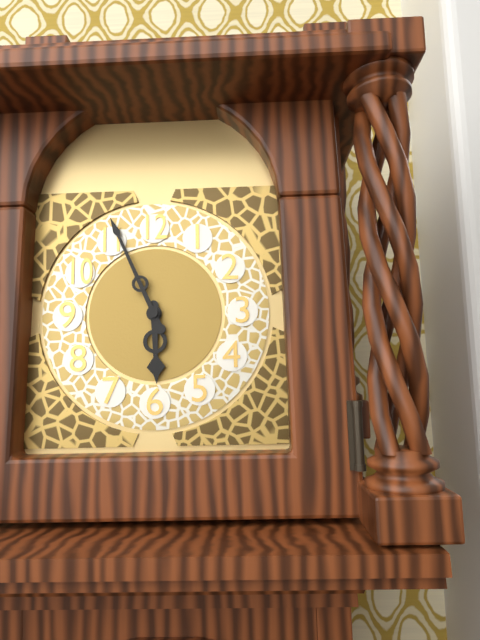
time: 5:56
